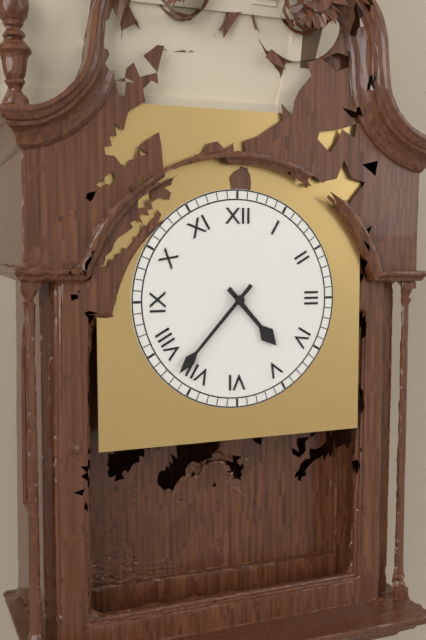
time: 4:37
